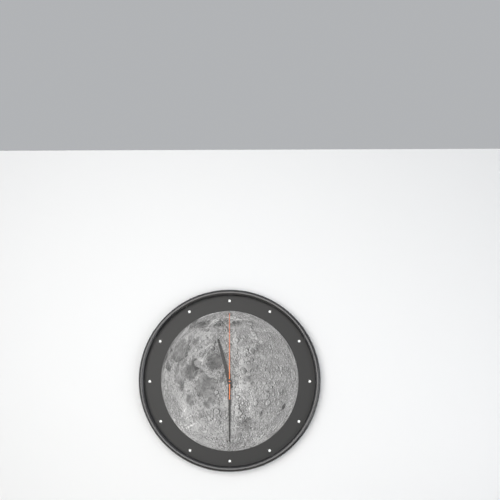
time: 11:30:00
